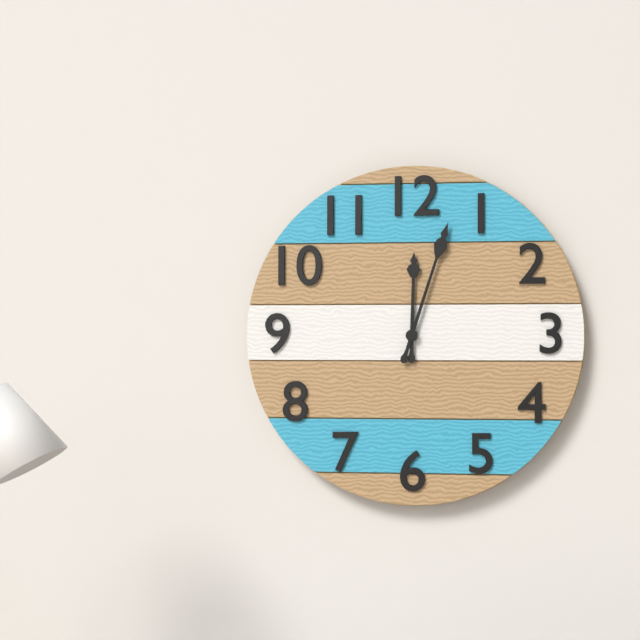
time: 12:03
